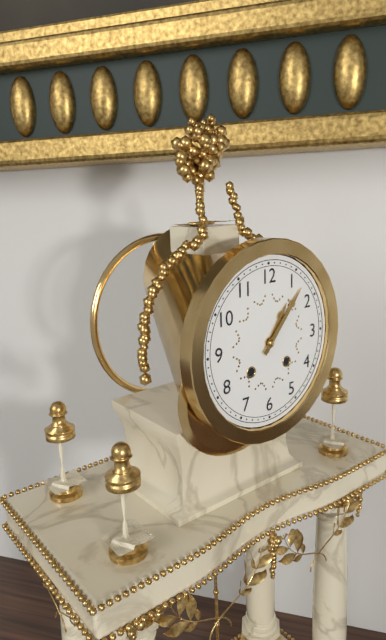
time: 1:07
